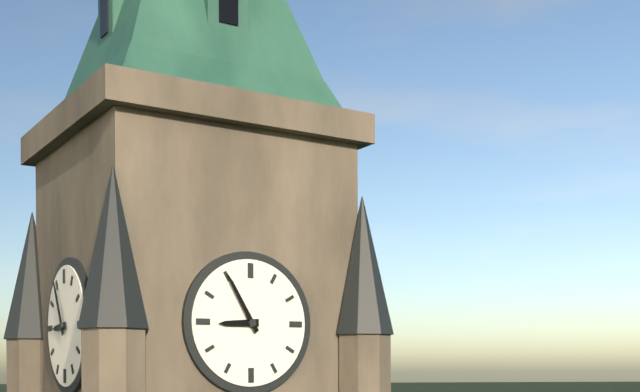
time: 8:55
